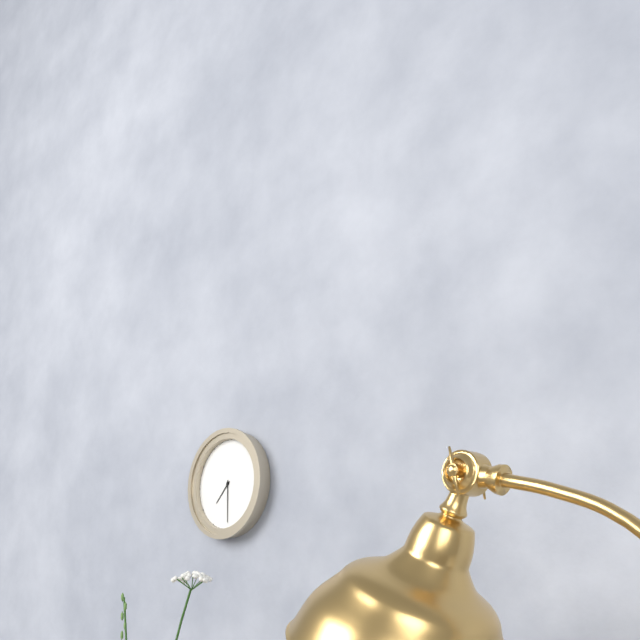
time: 7:30
